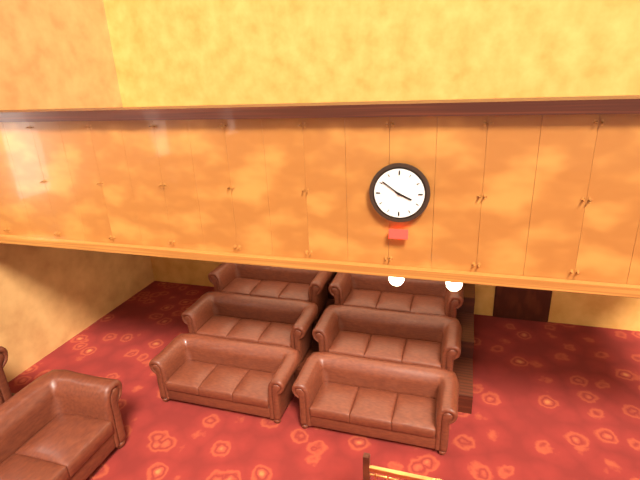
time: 3:51
